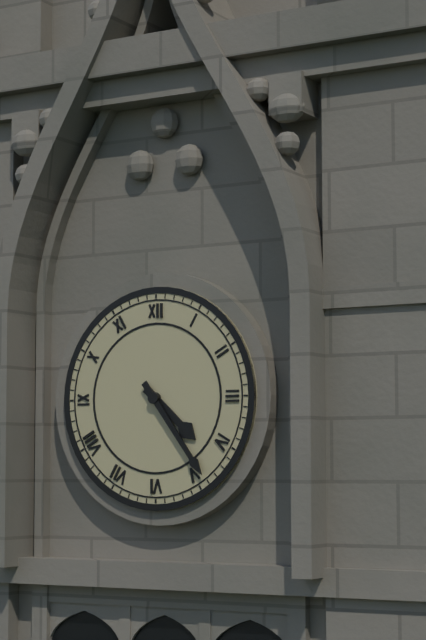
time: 4:24
